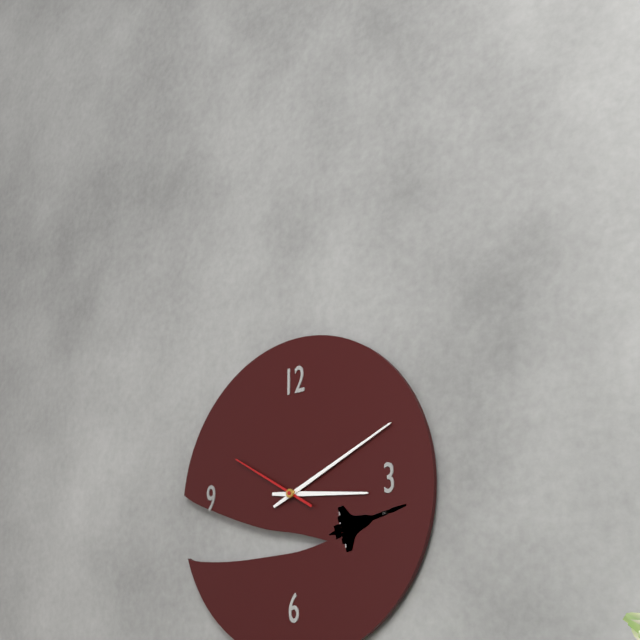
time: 3:11:50
